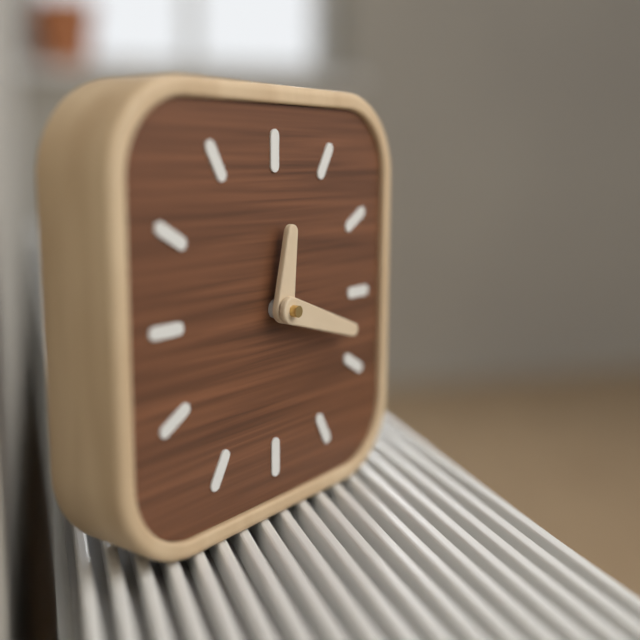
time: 12:18
